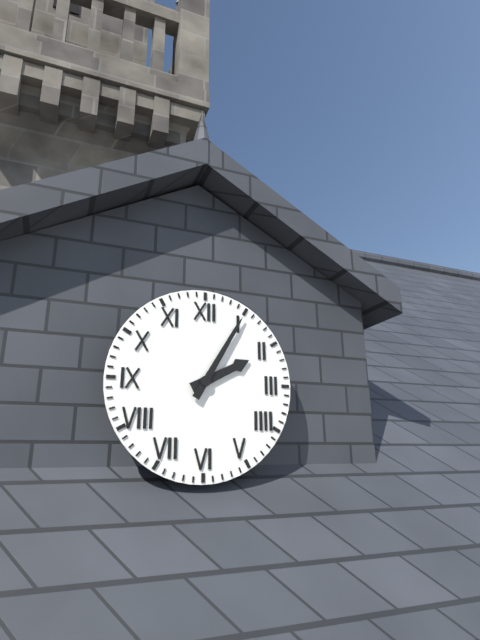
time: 2:05
